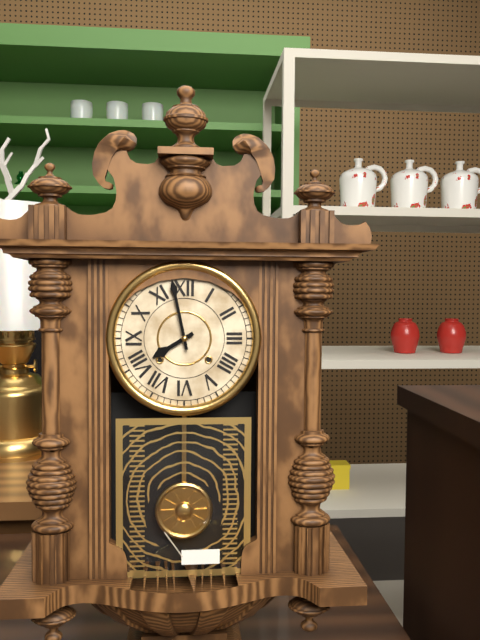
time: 7:58
